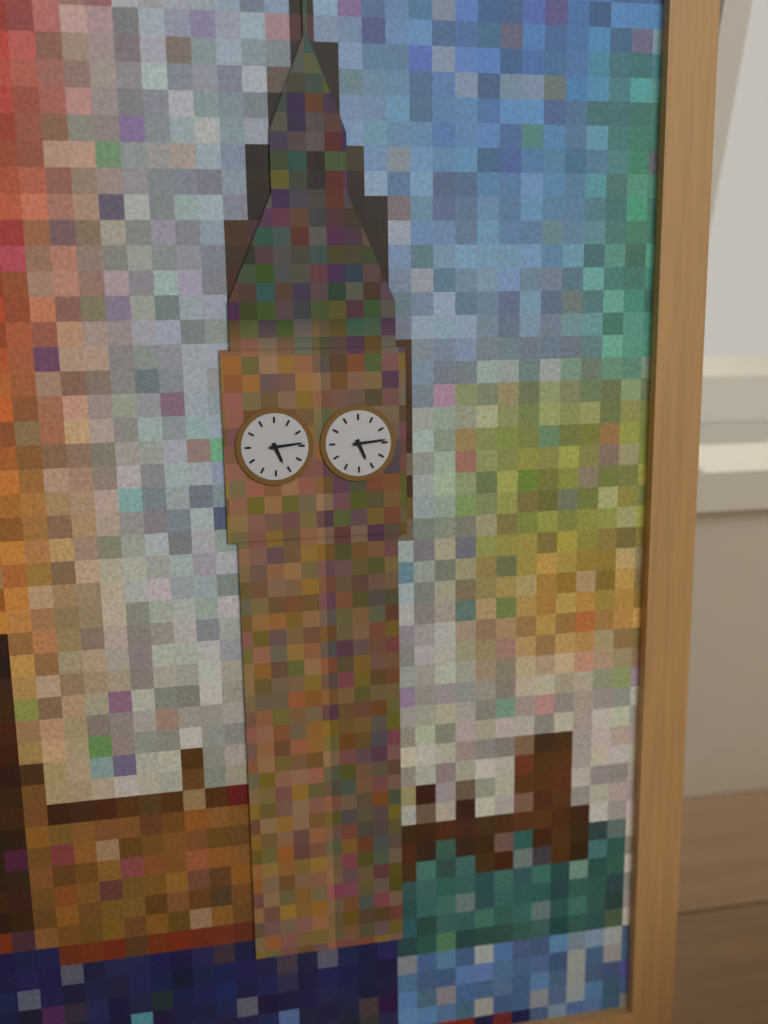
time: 5:14
